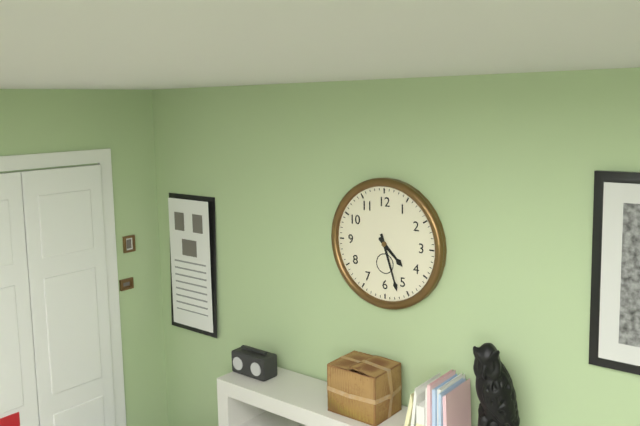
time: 4:27
